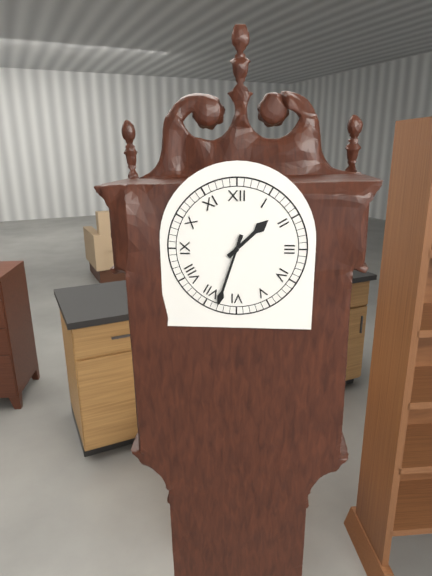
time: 1:33
